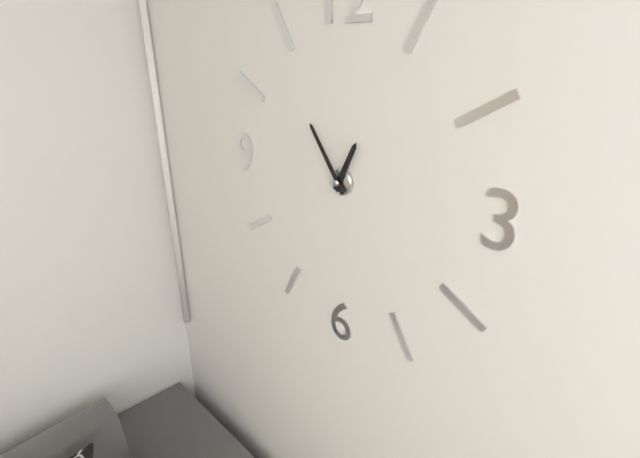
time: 12:54
